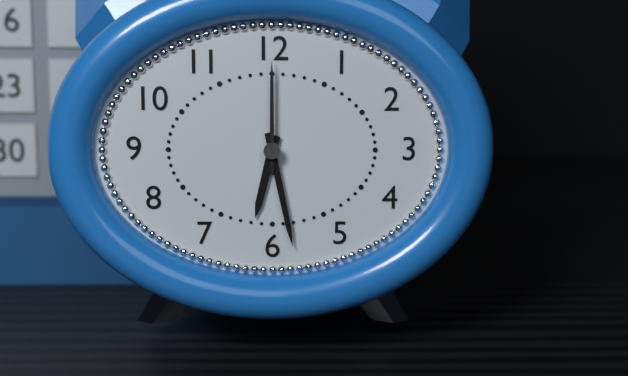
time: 6:28:00
